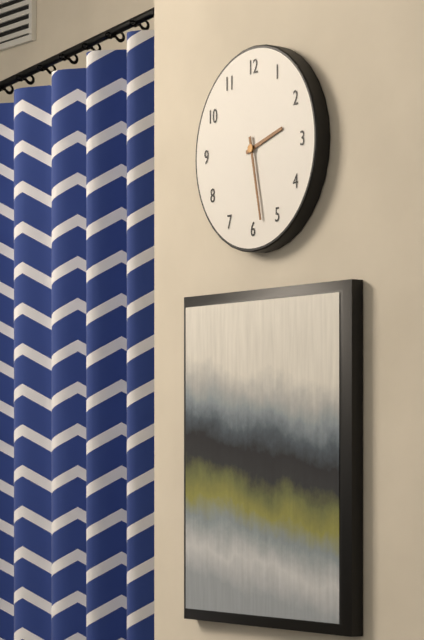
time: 2:28
